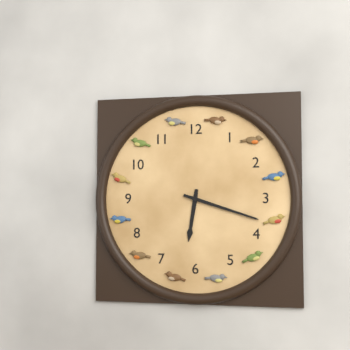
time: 6:18
